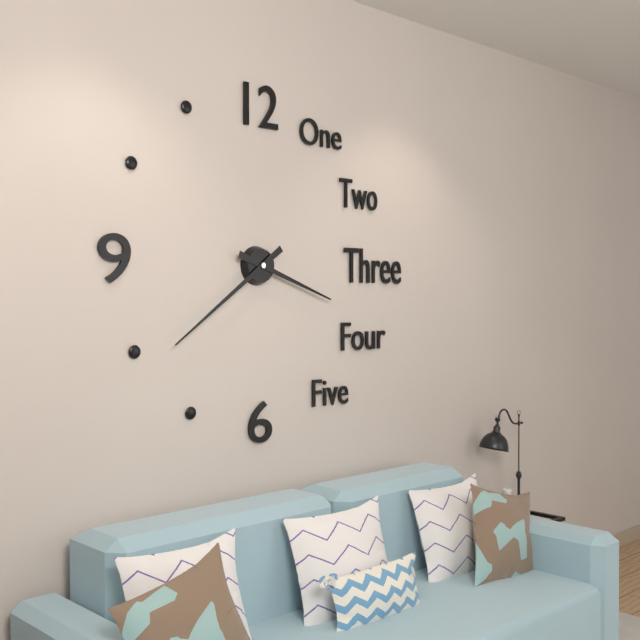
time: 3:39
